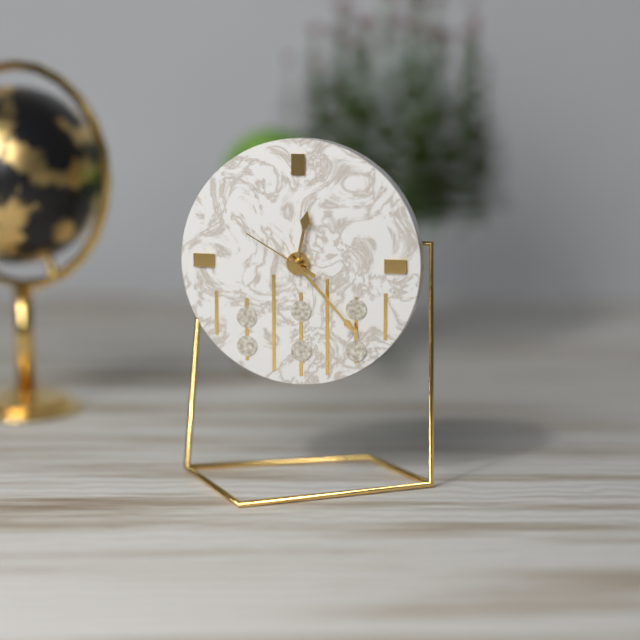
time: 12:23:50
